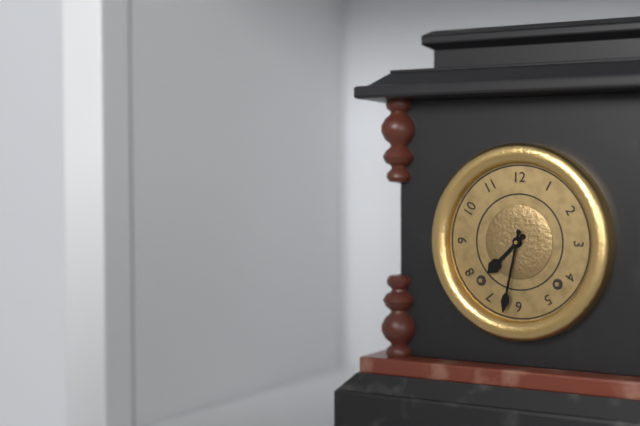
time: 7:32
